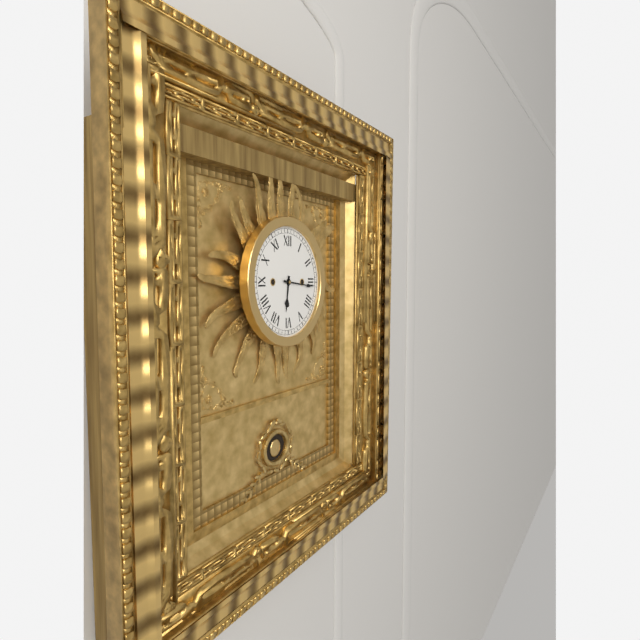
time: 6:16
